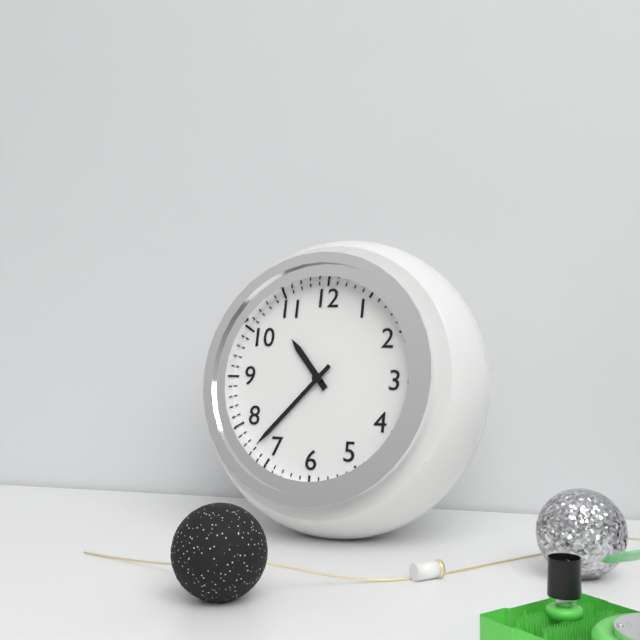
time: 10:37
